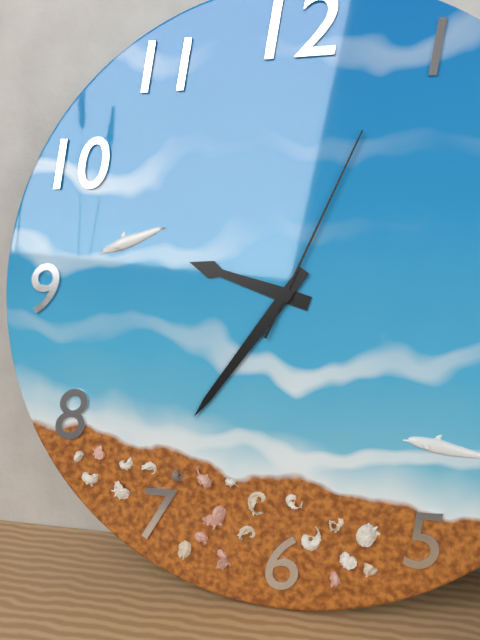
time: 9:36:04
